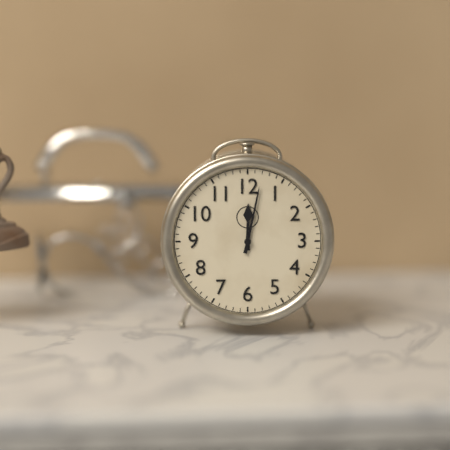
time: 12:02
